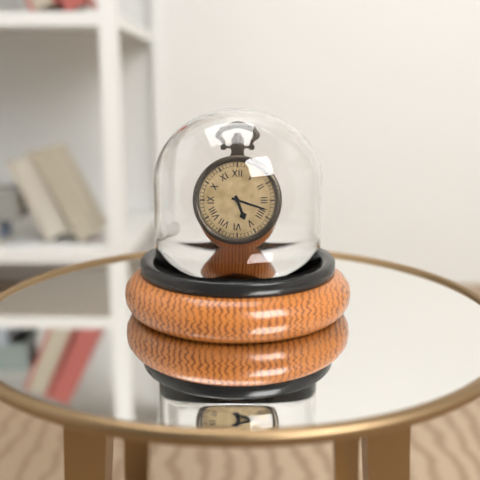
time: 5:18
